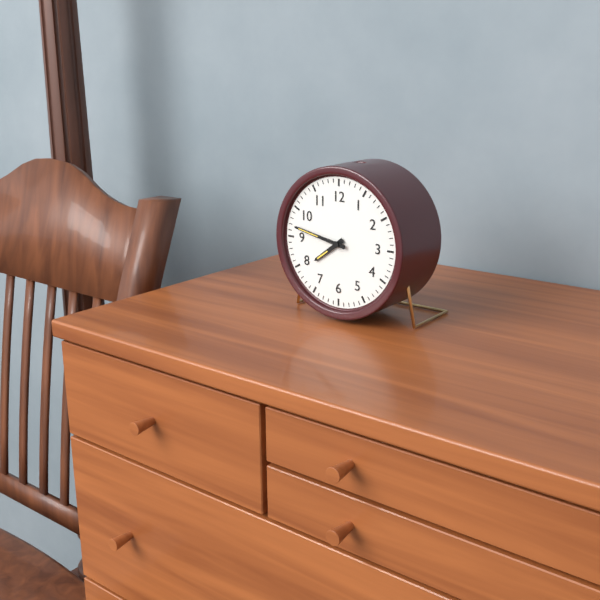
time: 7:47
